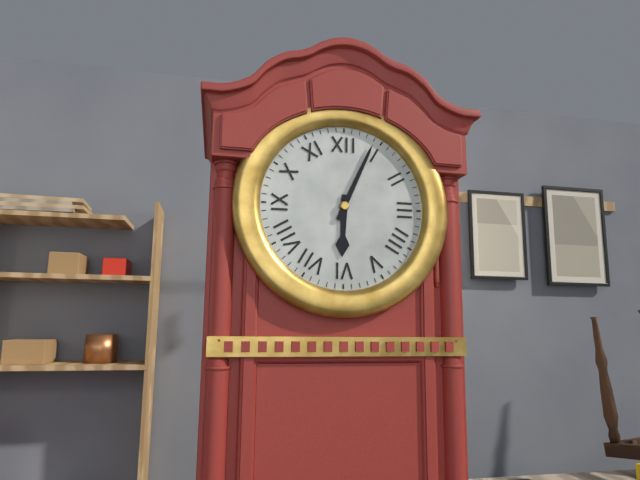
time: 6:04
